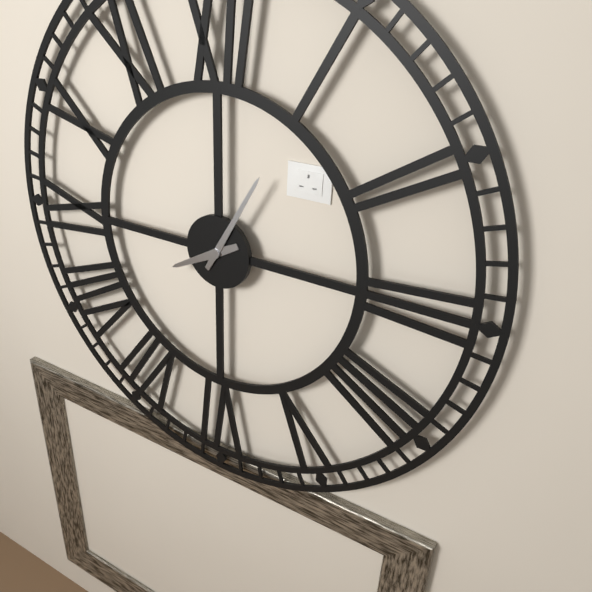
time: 8:05
